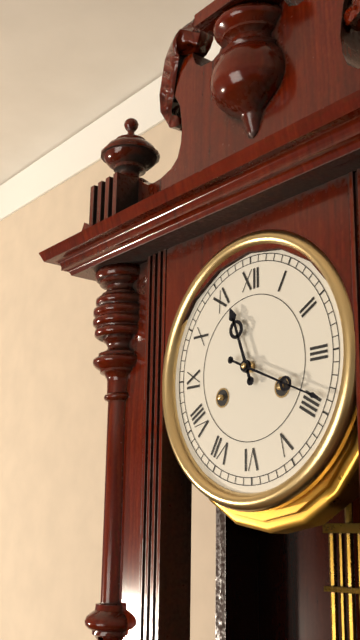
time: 11:19
